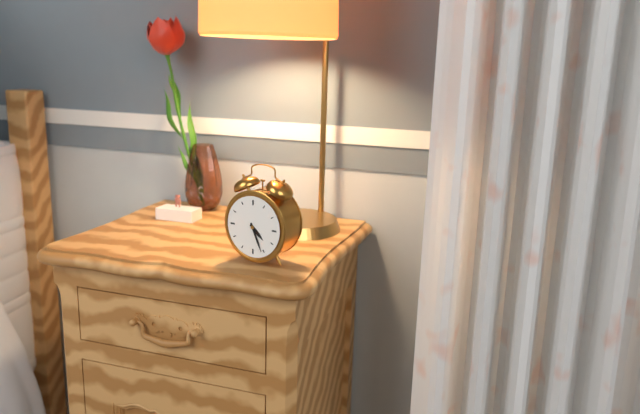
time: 4:26
